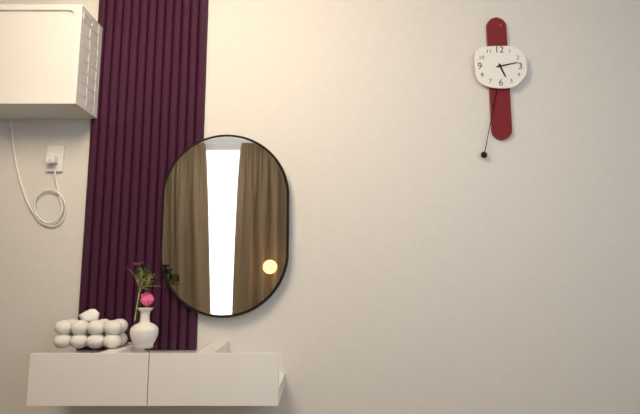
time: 5:13
